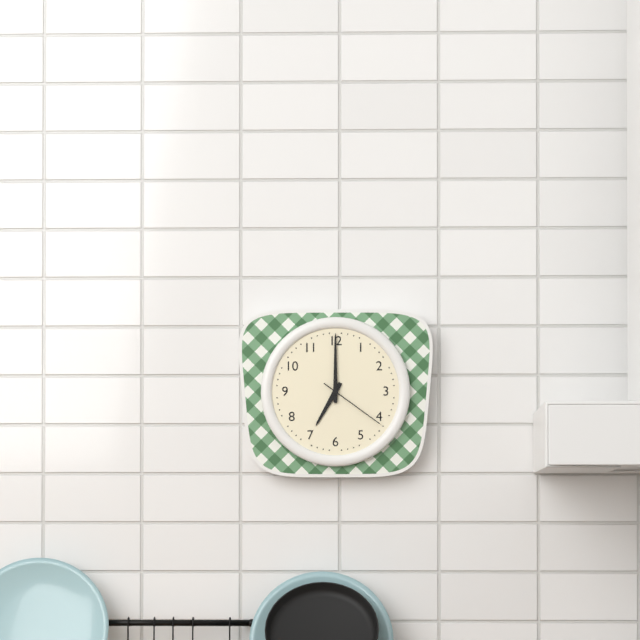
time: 7:00:21
